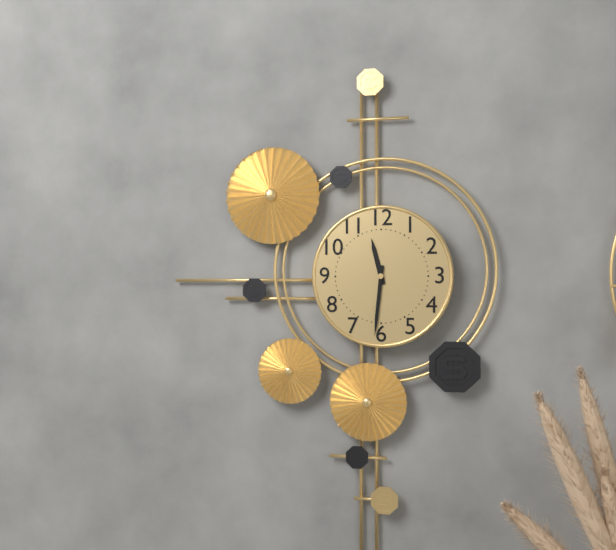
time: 11:31
